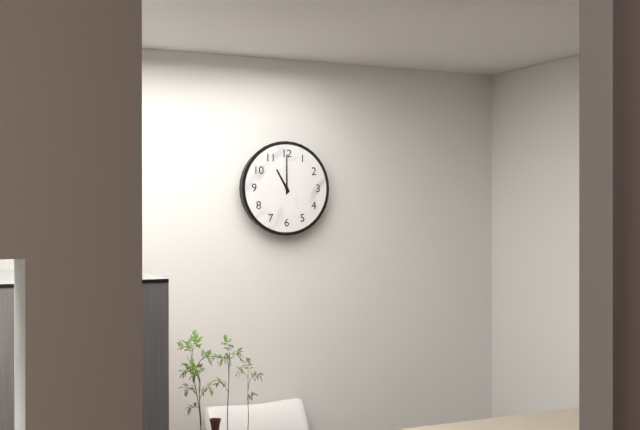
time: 11:00
